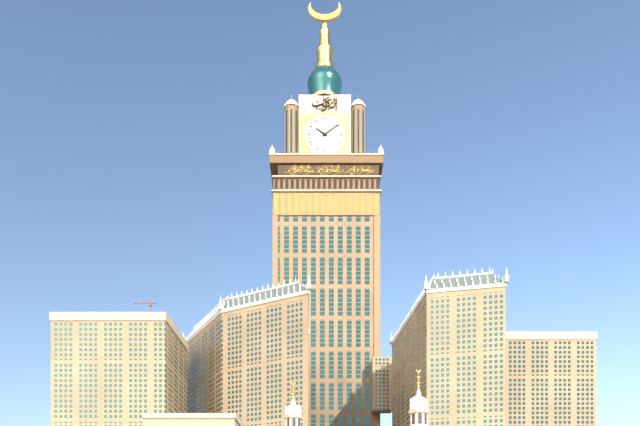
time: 10:09
